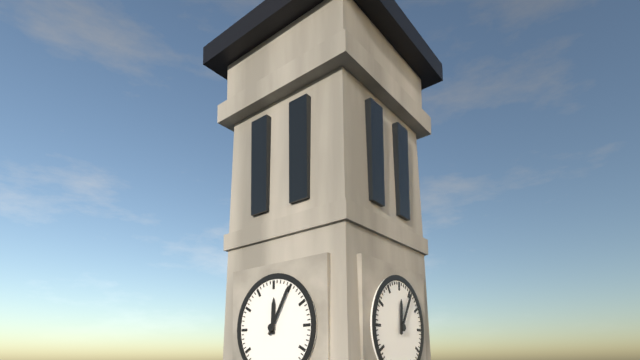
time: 12:05
